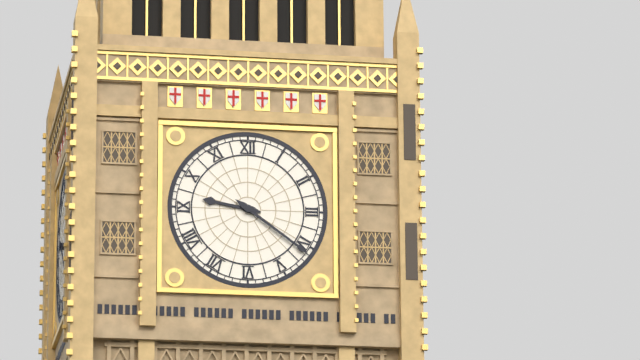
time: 9:21
